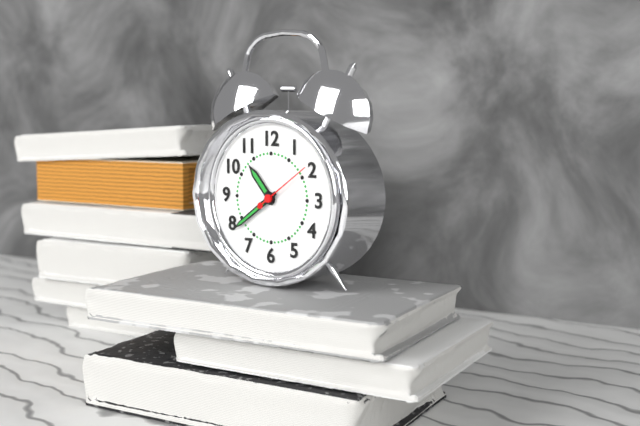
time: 10:39:09
